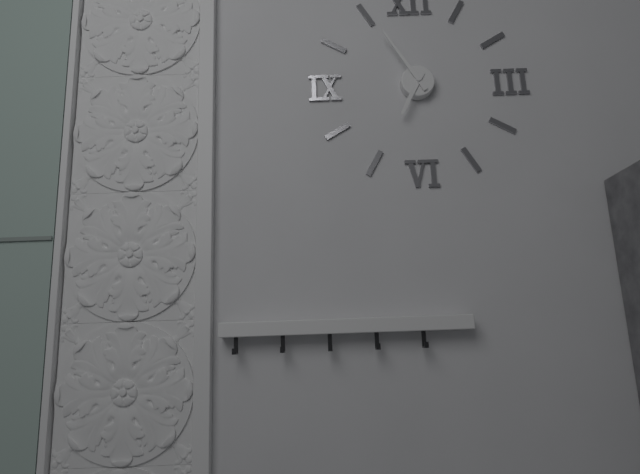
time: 6:55
